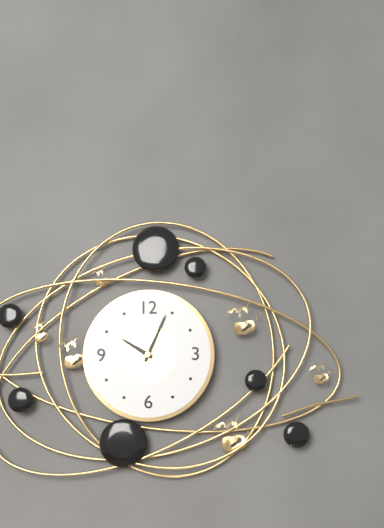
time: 10:04
